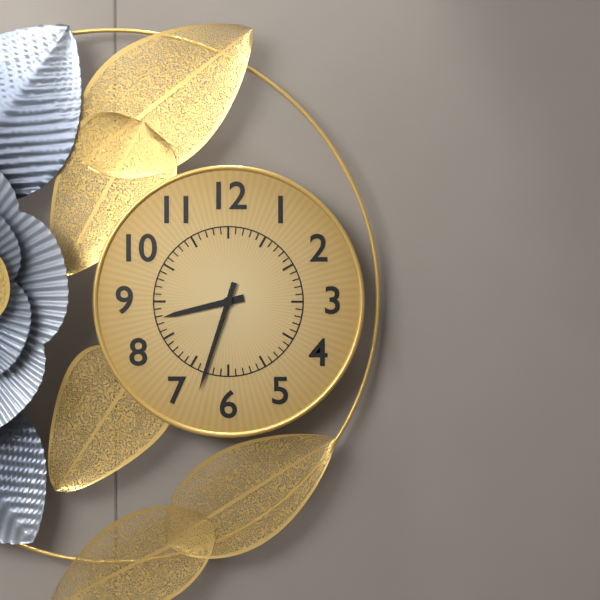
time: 8:33
